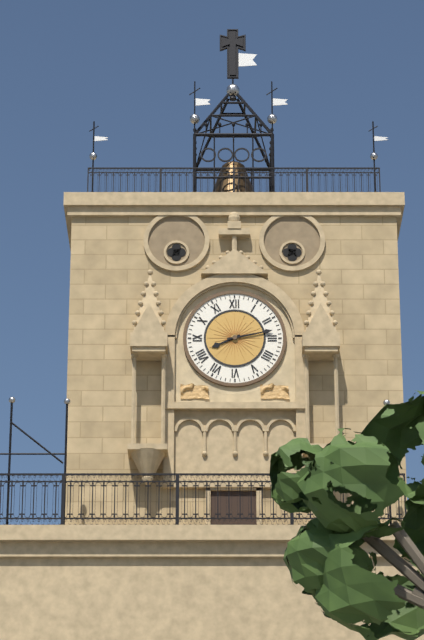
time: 8:13
